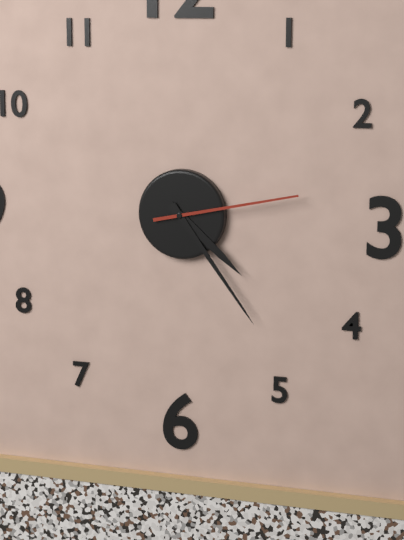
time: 4:24:13
